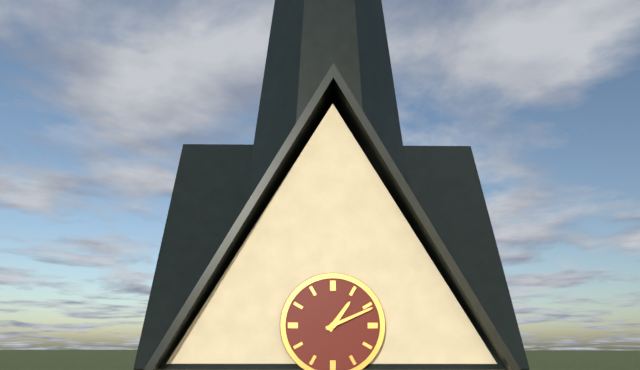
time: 1:11
